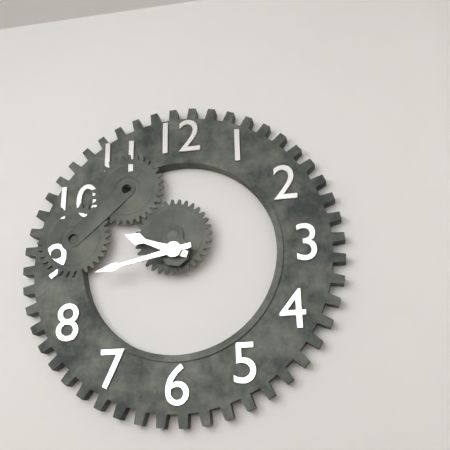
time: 9:43
